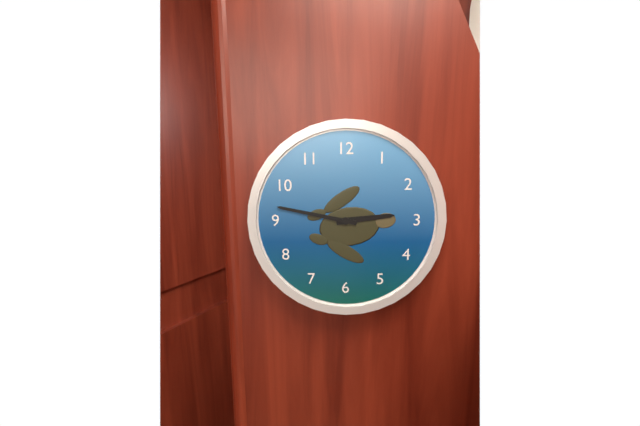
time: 2:47
